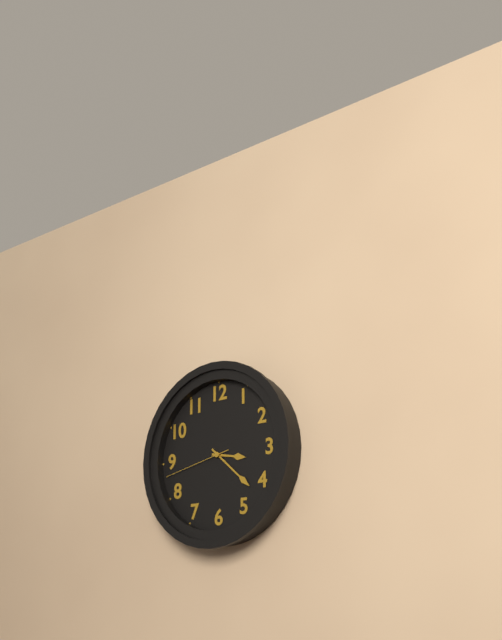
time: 3:22:43
